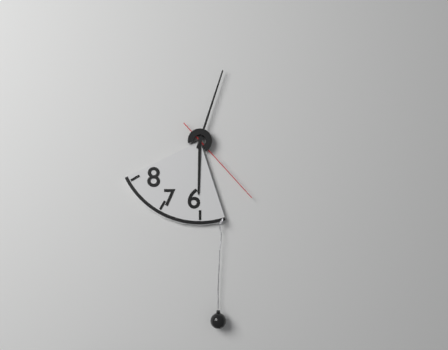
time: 6:03:23
